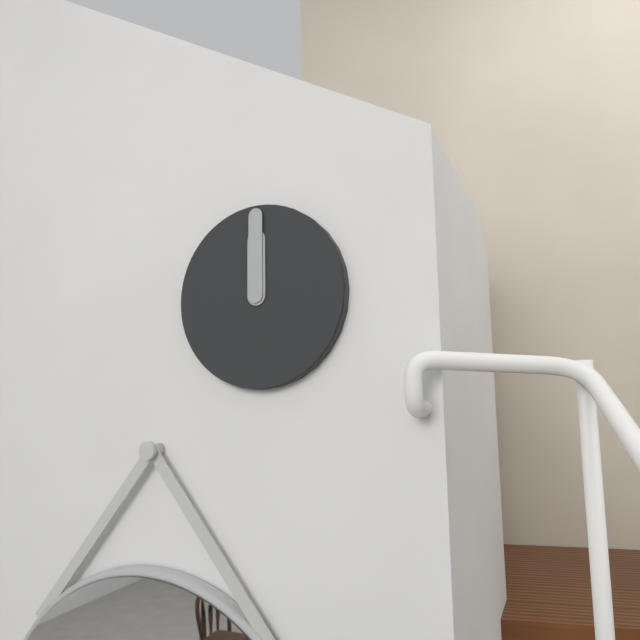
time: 12:00
